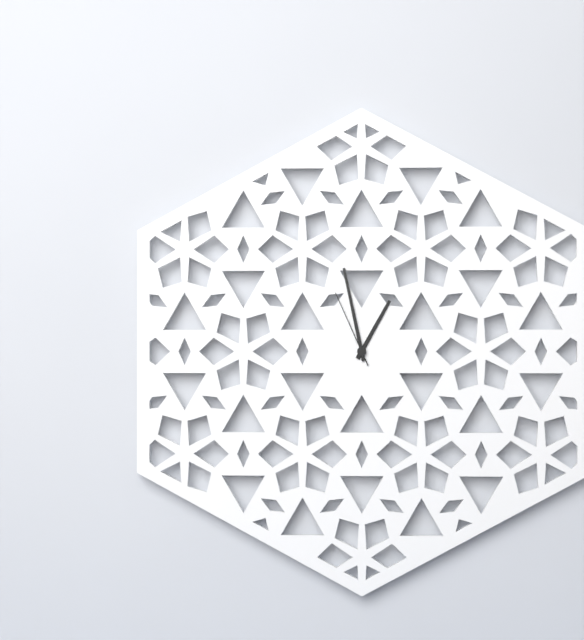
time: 12:58:56
